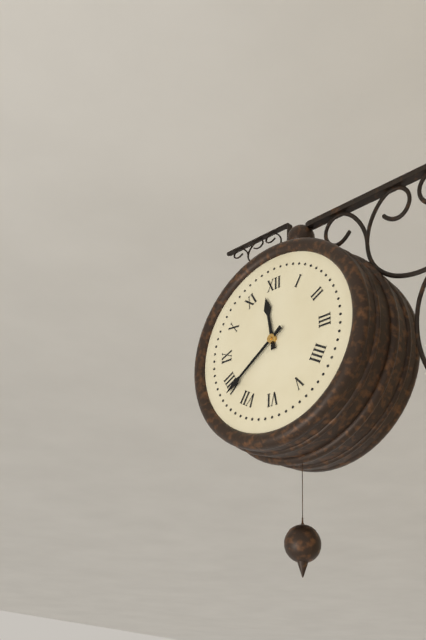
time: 11:39
